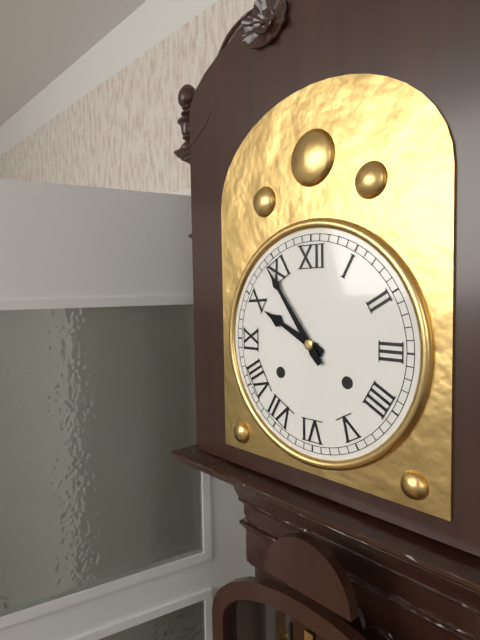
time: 9:54
